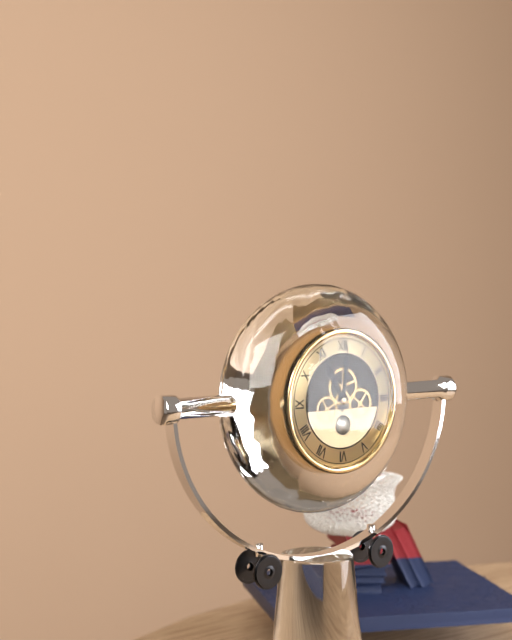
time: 11:01
